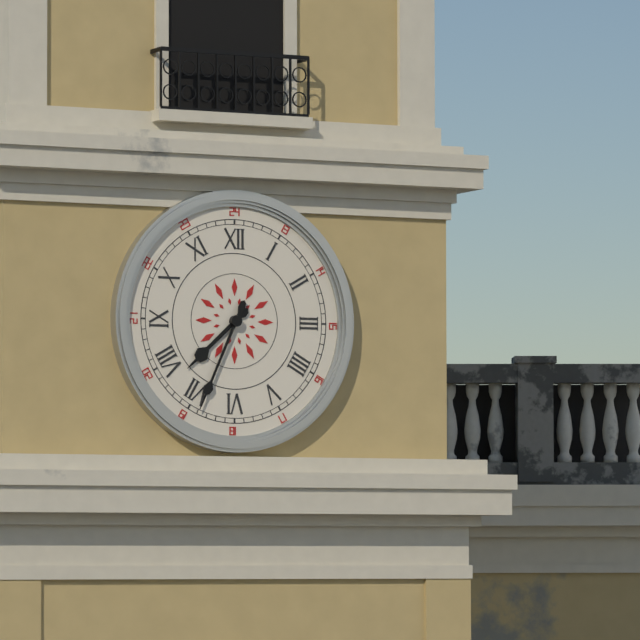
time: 7:34
